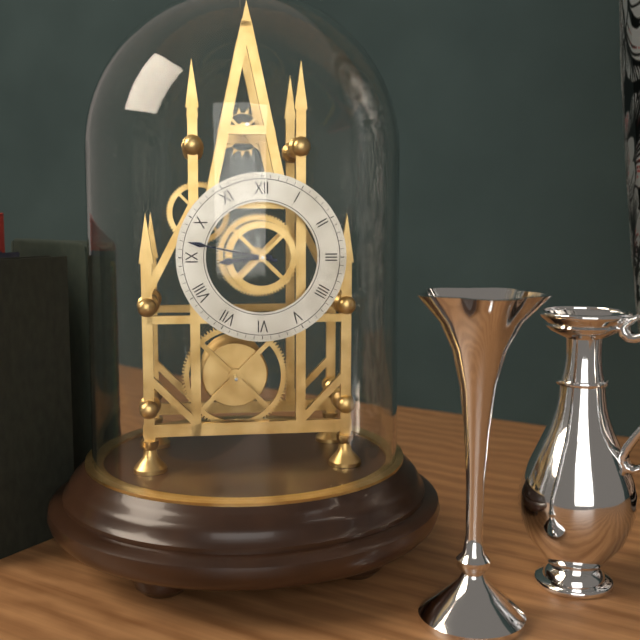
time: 8:47
